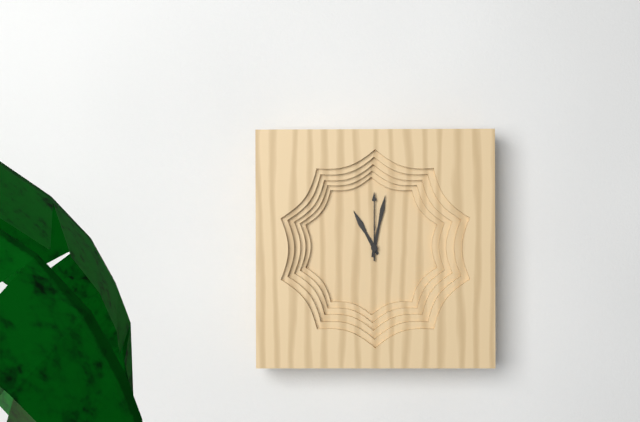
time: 11:02:00
